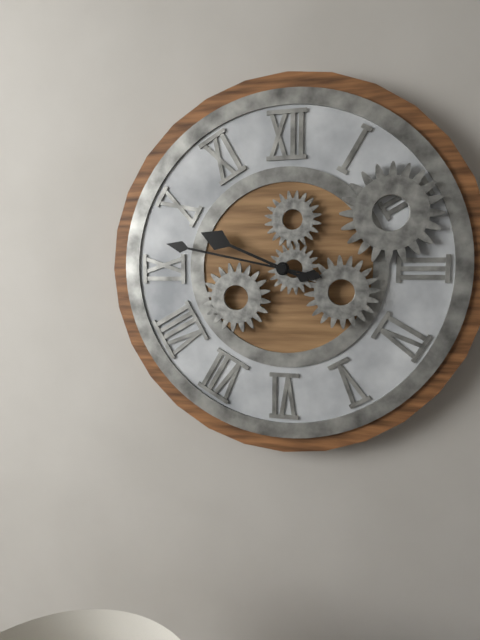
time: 9:47
